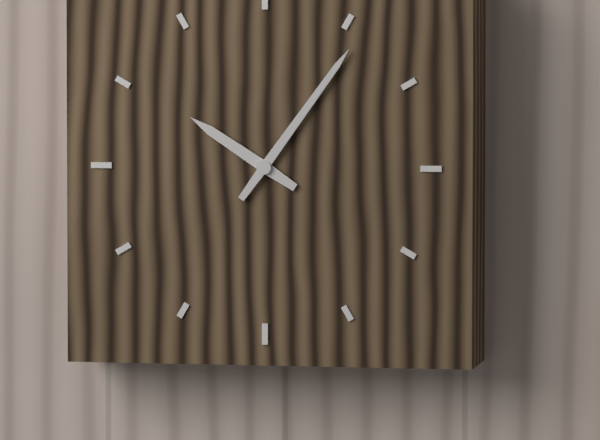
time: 10:06
